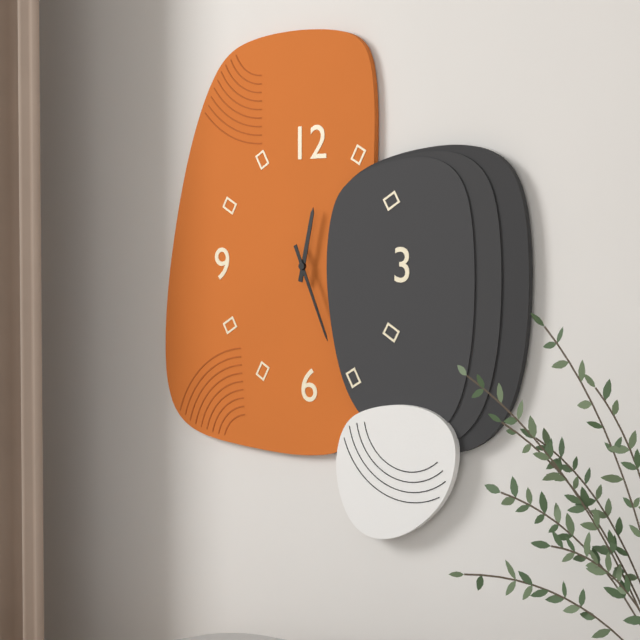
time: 12:26
